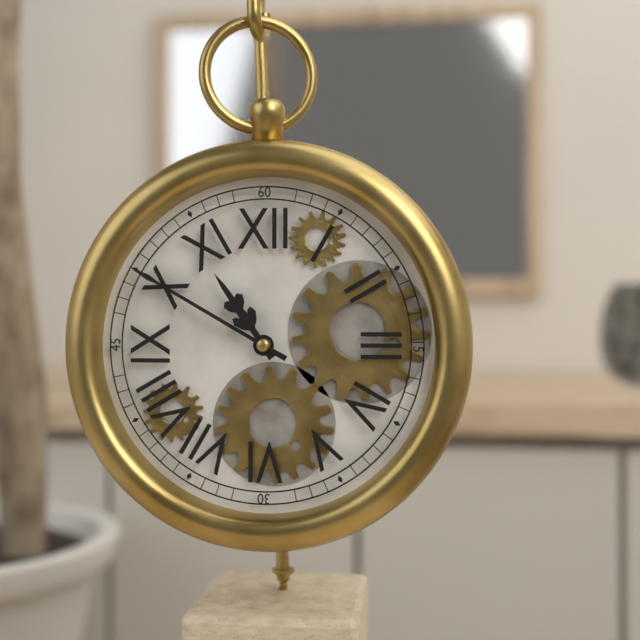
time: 10:50
